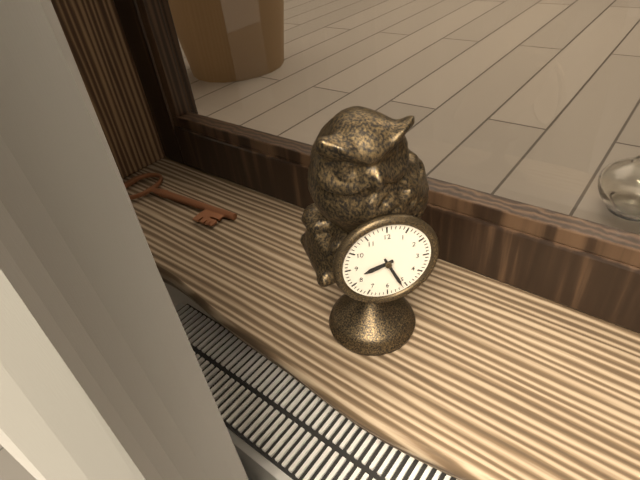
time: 8:26
